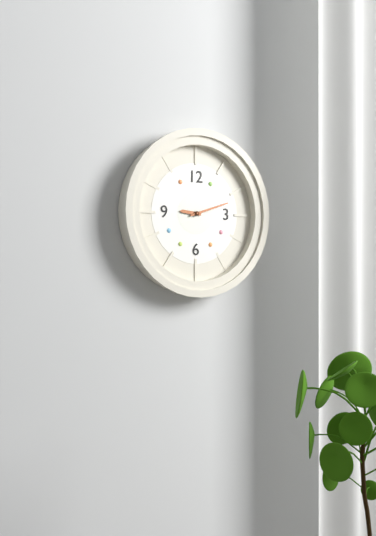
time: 9:12
